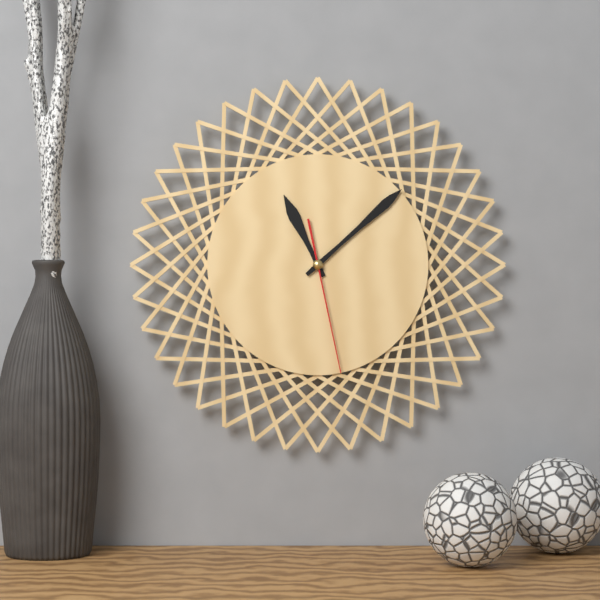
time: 11:08:28
